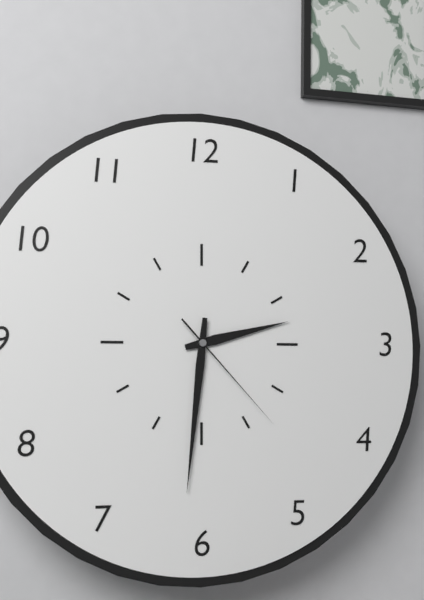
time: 2:31:23
